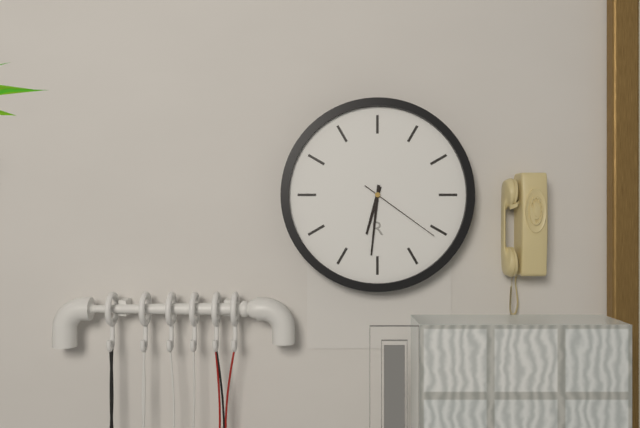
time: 6:31:21
